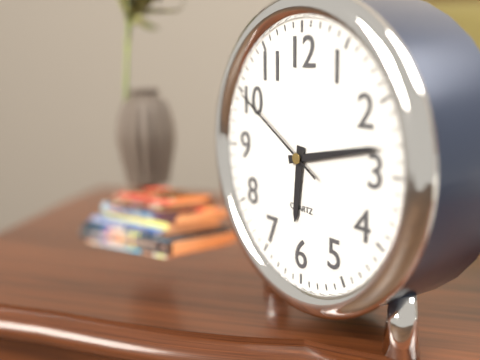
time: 6:13:50
